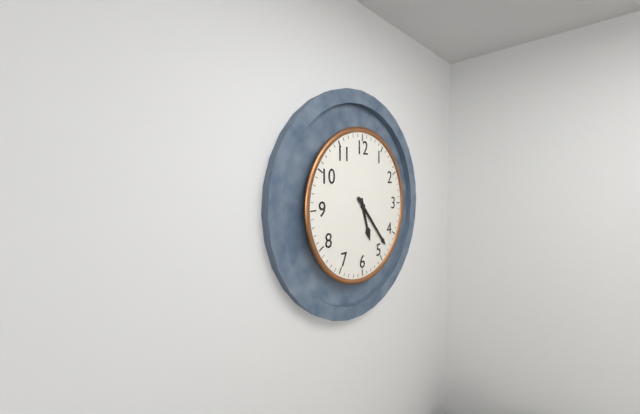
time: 5:23
